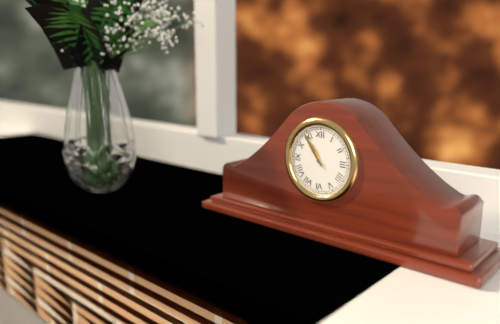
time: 10:54
